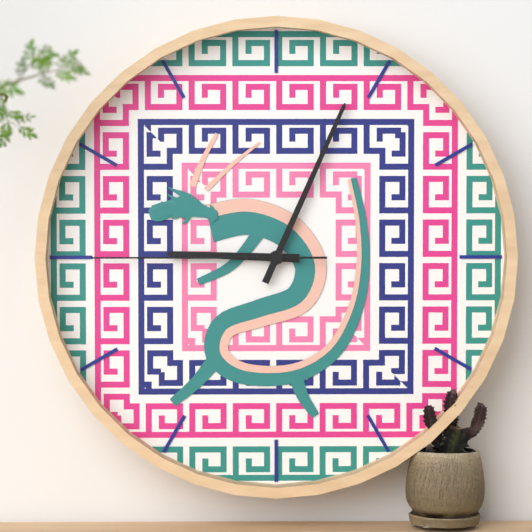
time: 9:04:45
